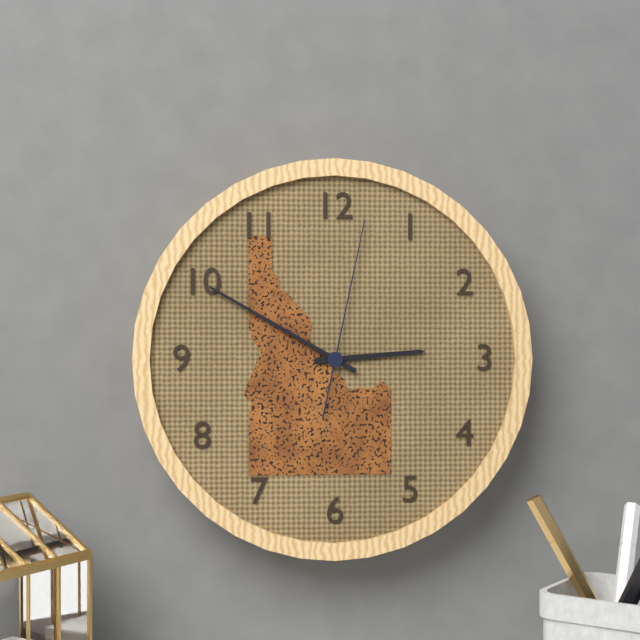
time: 2:50:02
